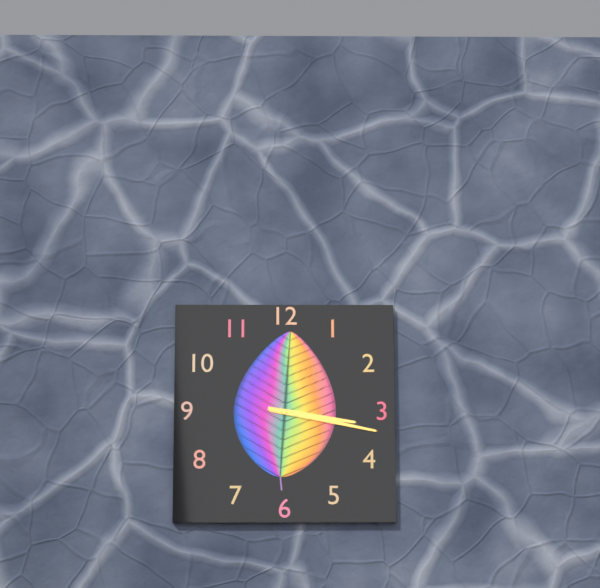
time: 3:17
